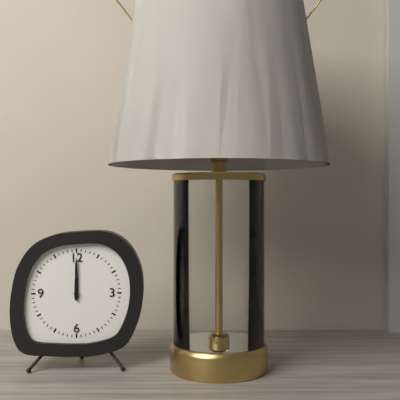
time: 12:00
